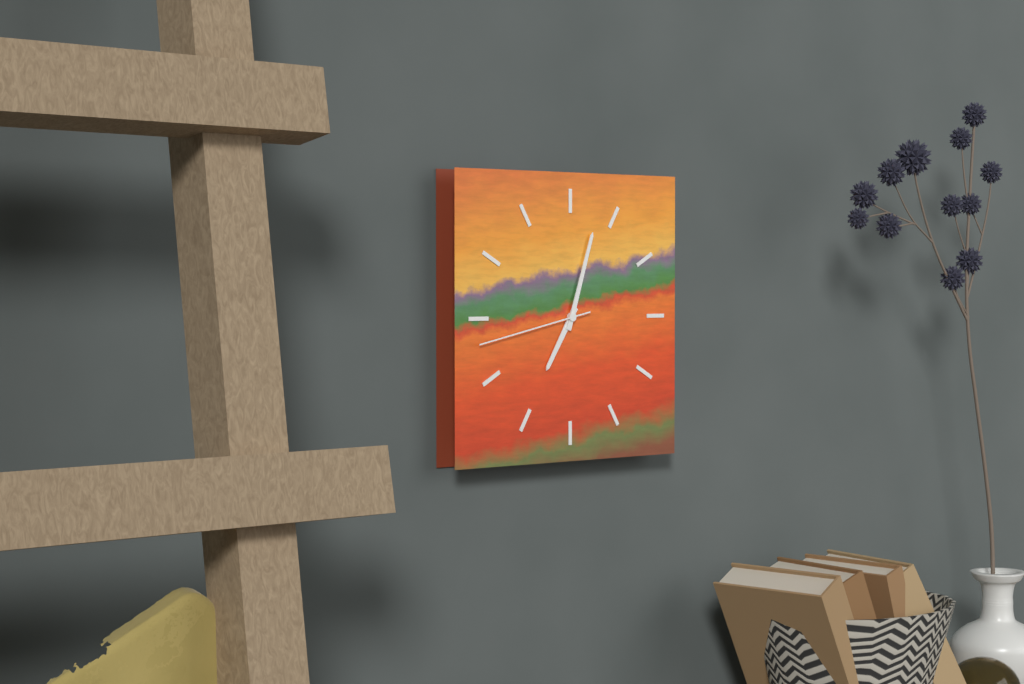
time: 7:03:43
